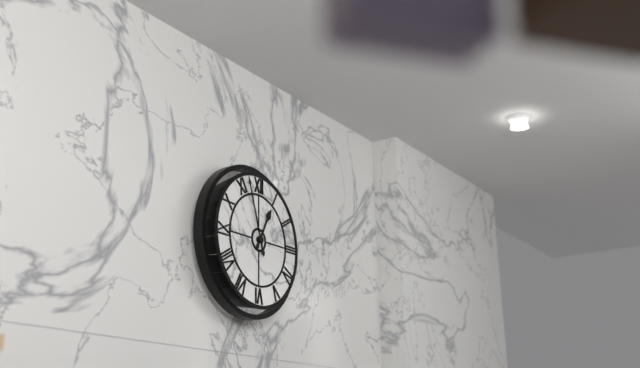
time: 12:57
